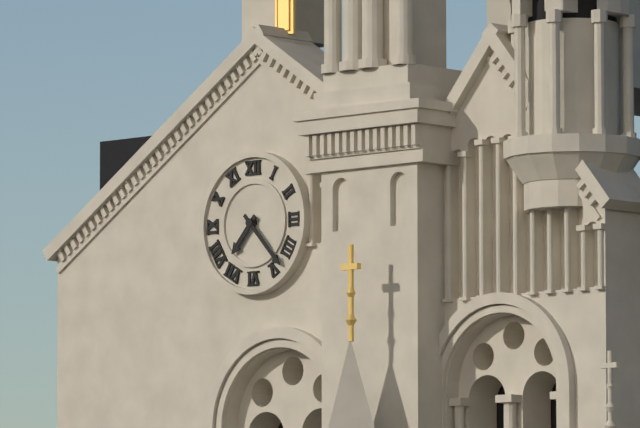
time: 7:23
